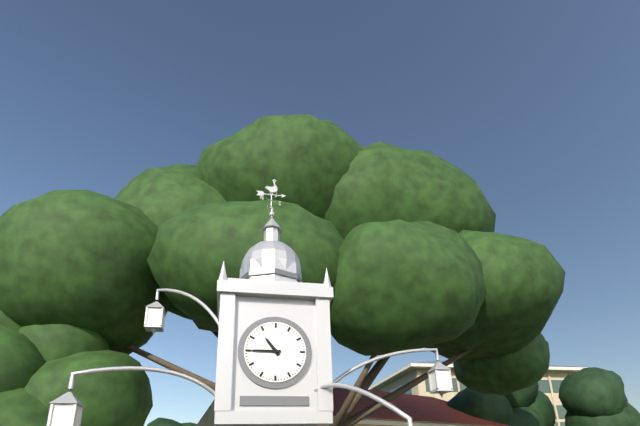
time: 10:45
